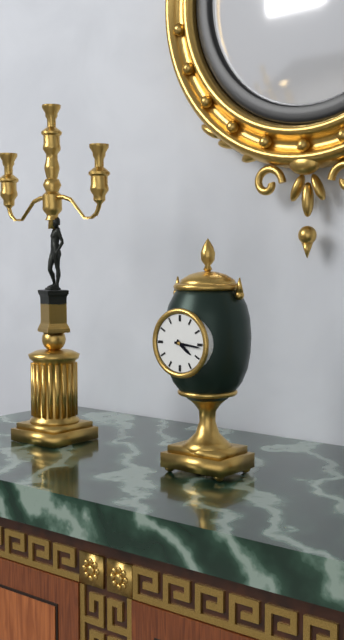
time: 4:16
